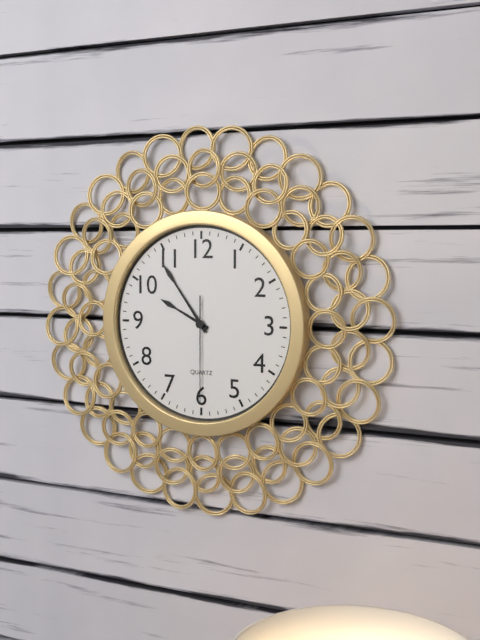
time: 9:54:30
